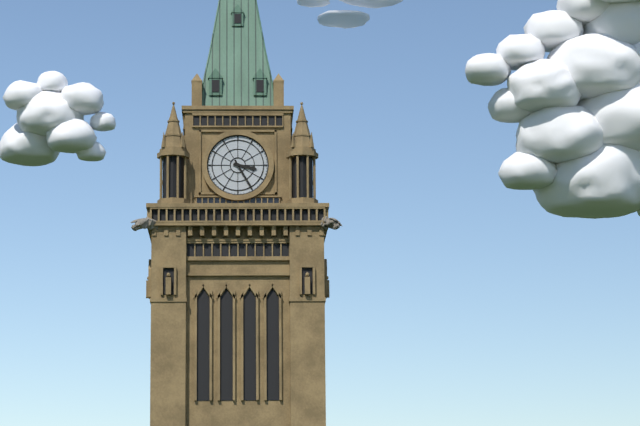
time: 3:25
